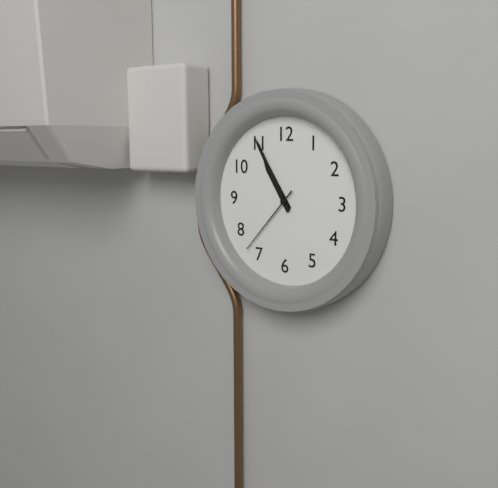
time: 10:55:37
